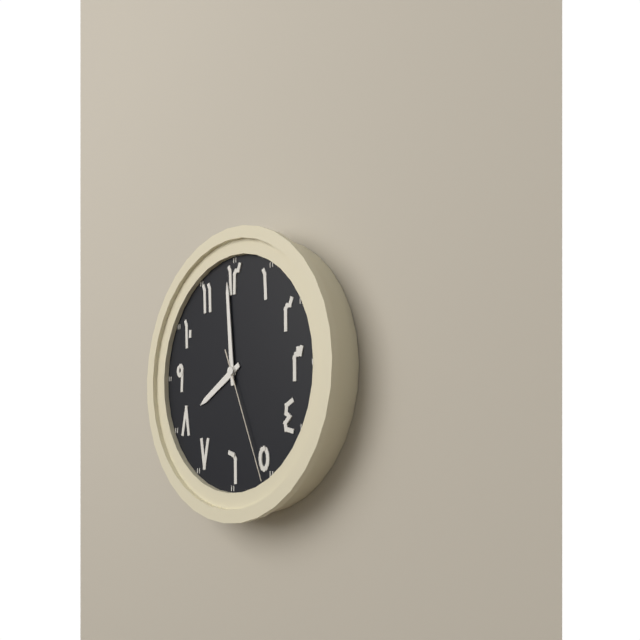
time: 7:59:26
